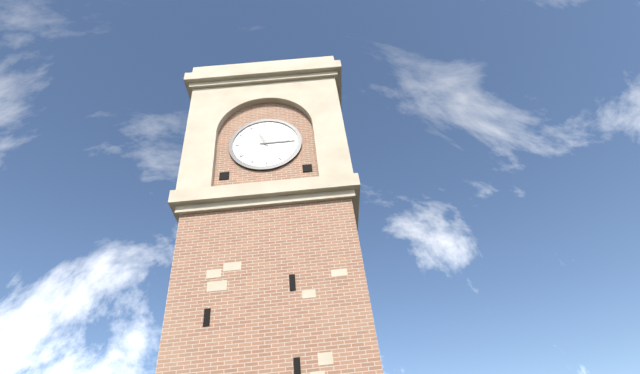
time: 11:15
